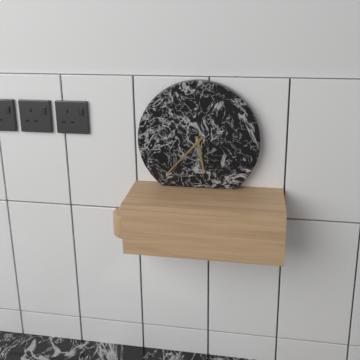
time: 5:37
